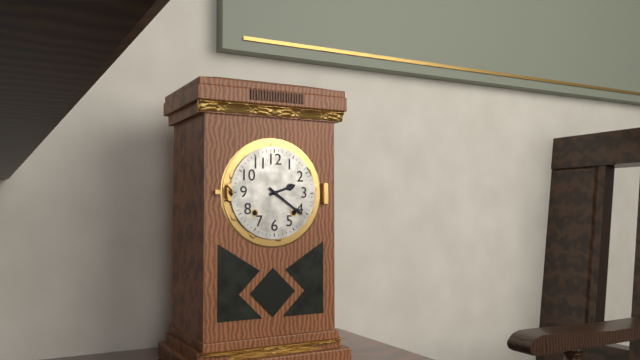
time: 2:21
